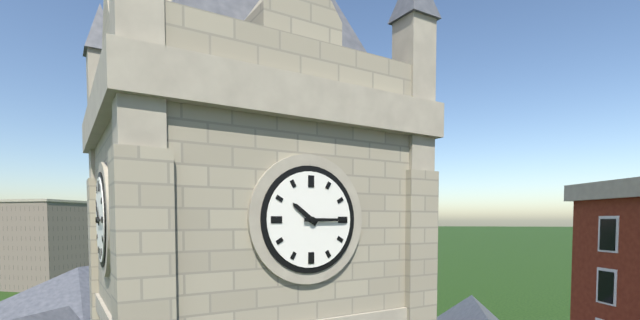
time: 10:15
